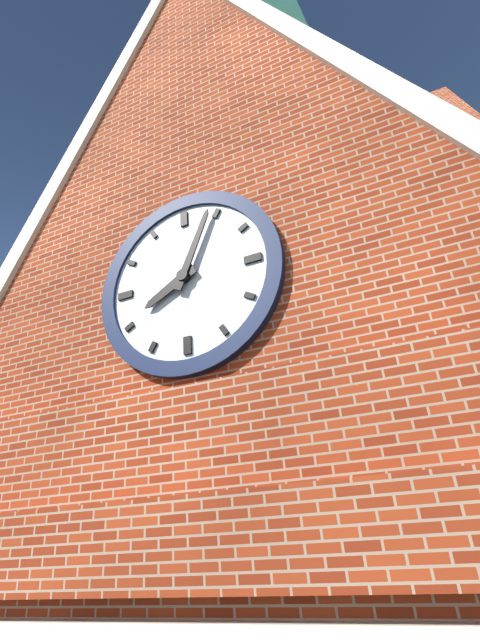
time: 8:04
